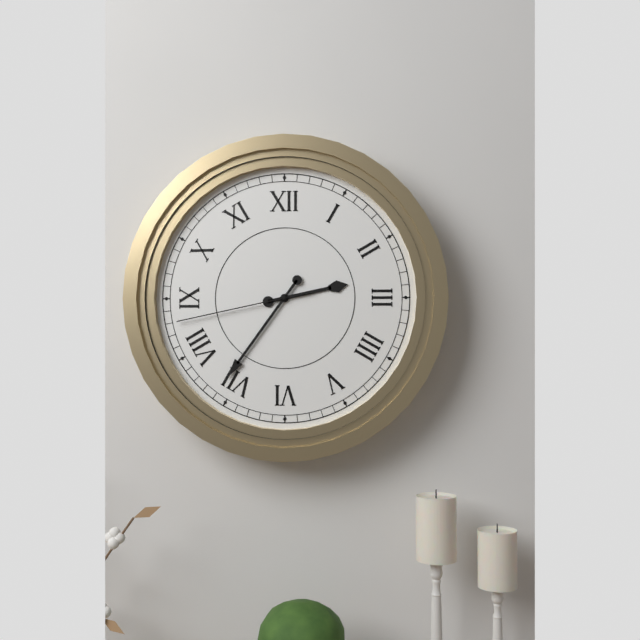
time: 2:36:43
